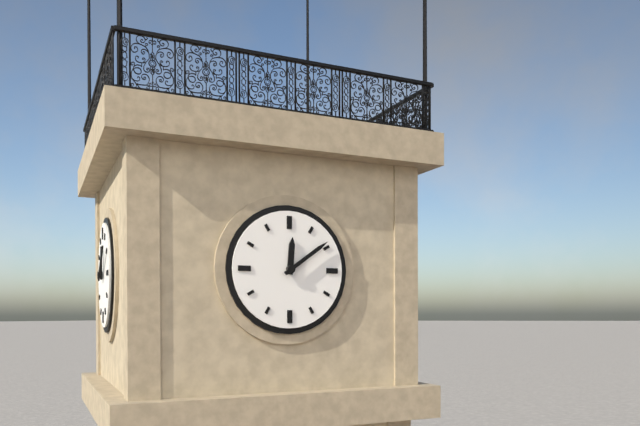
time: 12:09
